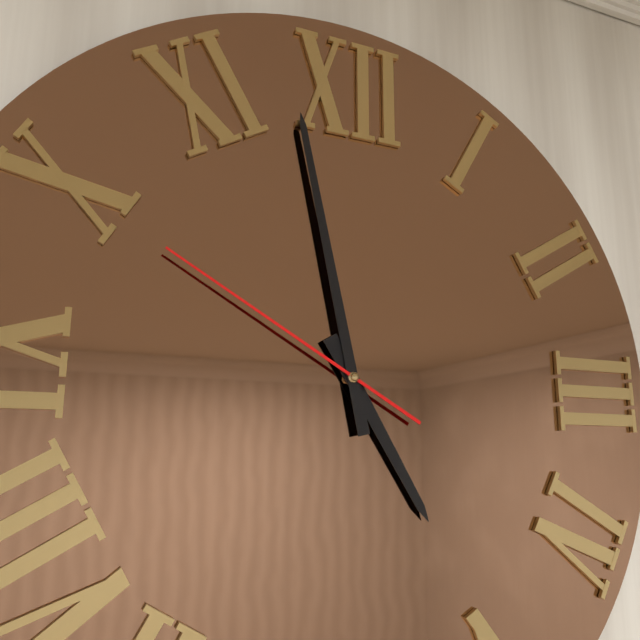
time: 4:58:50
